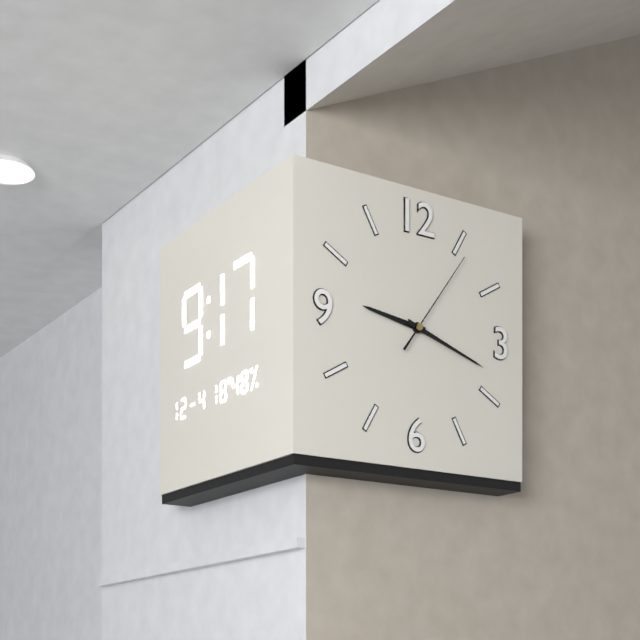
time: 9:18:06
